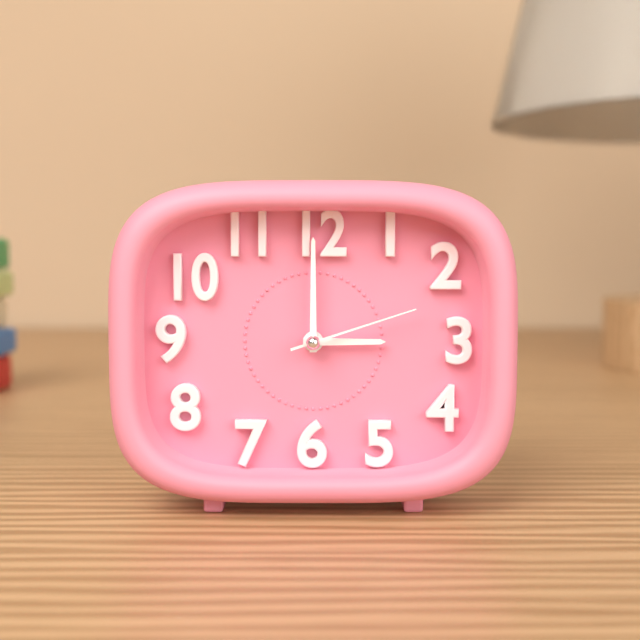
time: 3:00:12
